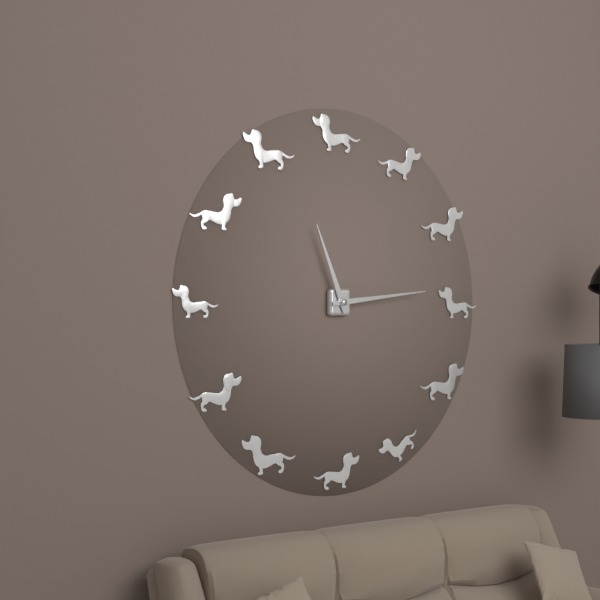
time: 11:14
